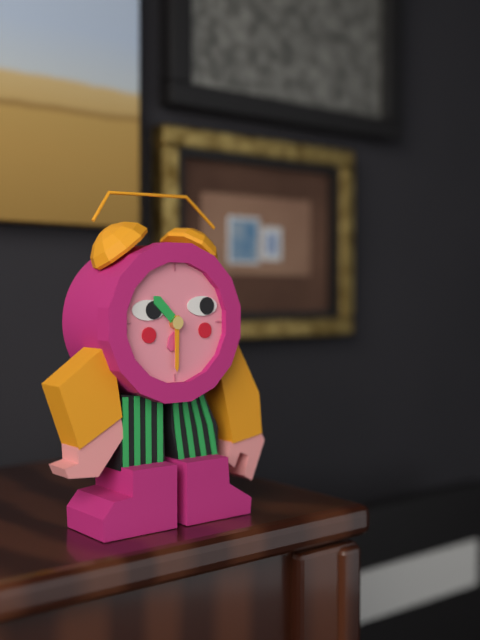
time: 10:30
